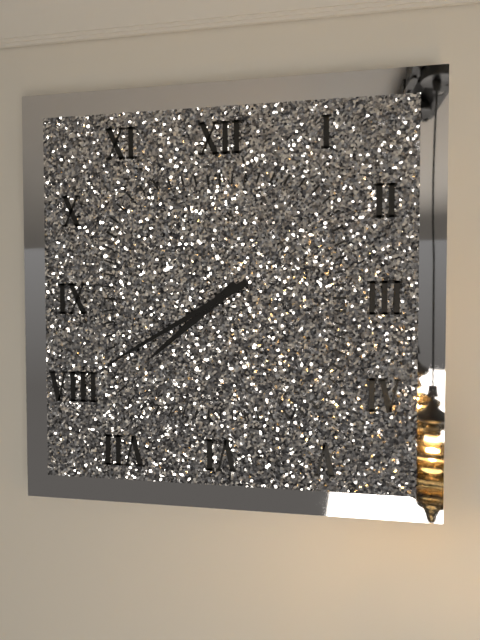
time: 7:40
